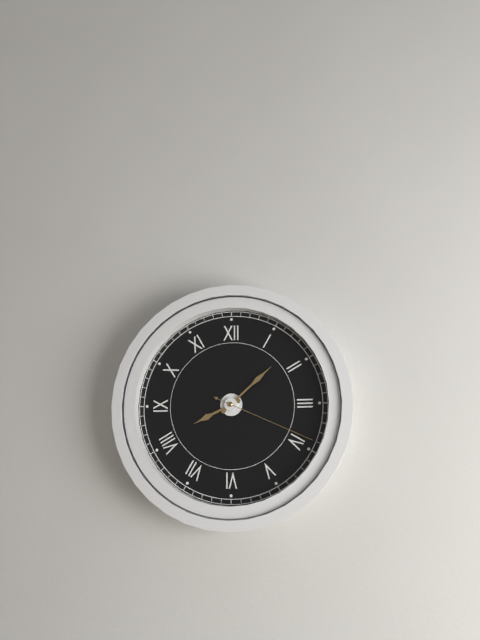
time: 8:08:19
